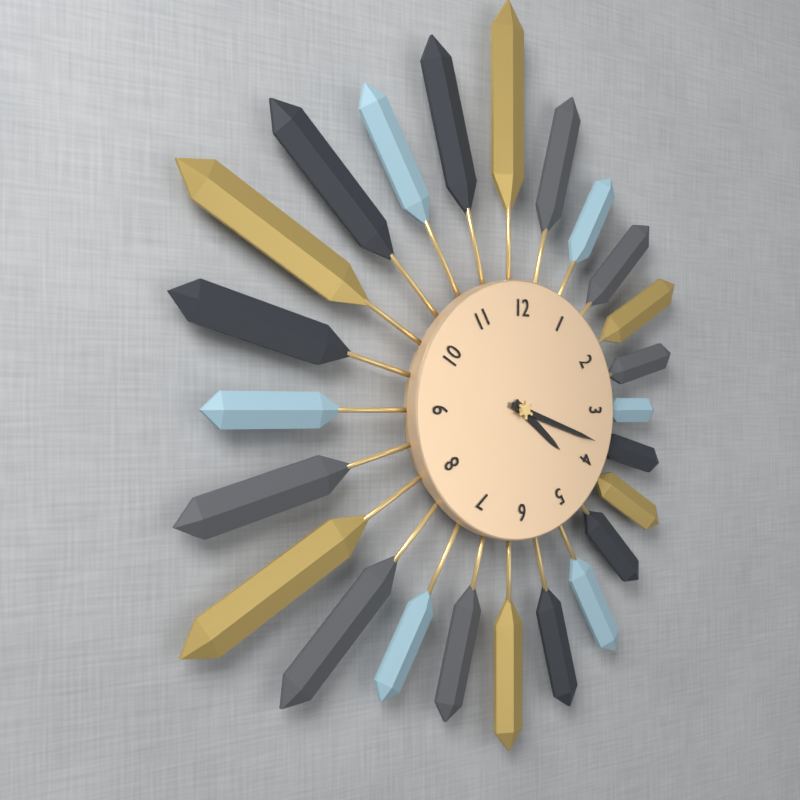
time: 4:18
